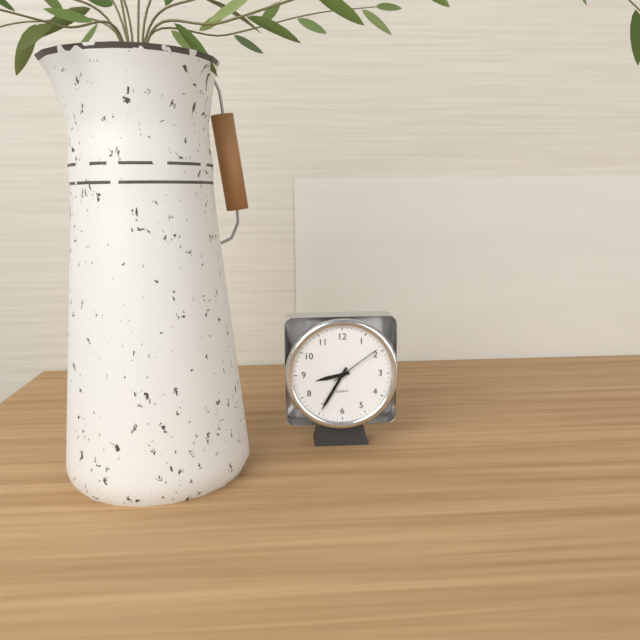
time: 8:35:09
